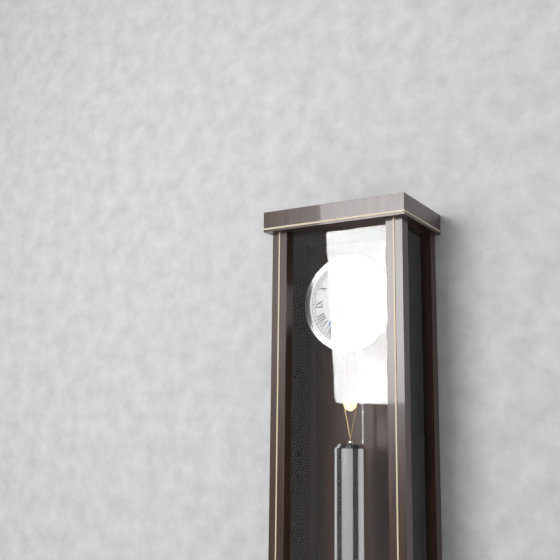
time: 7:37
